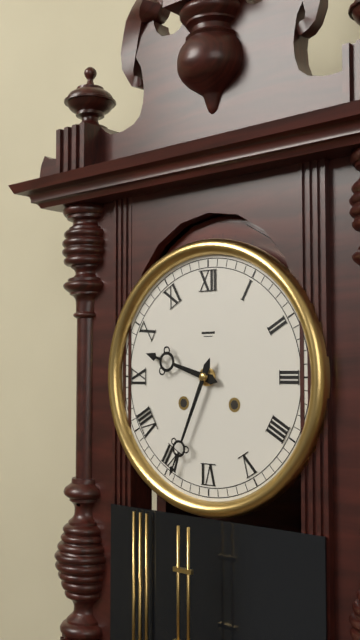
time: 9:34
